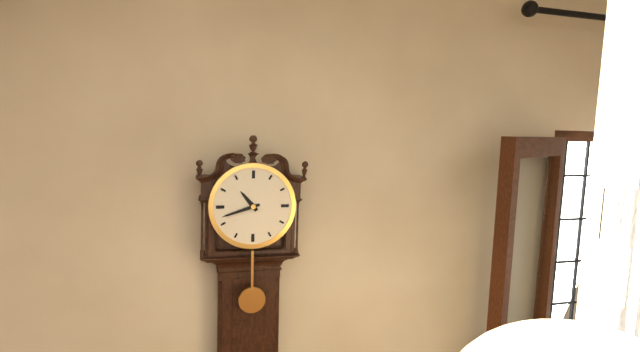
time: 10:42
